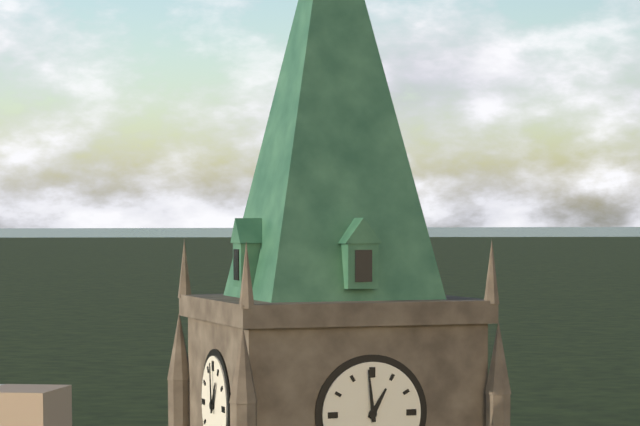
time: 12:59
